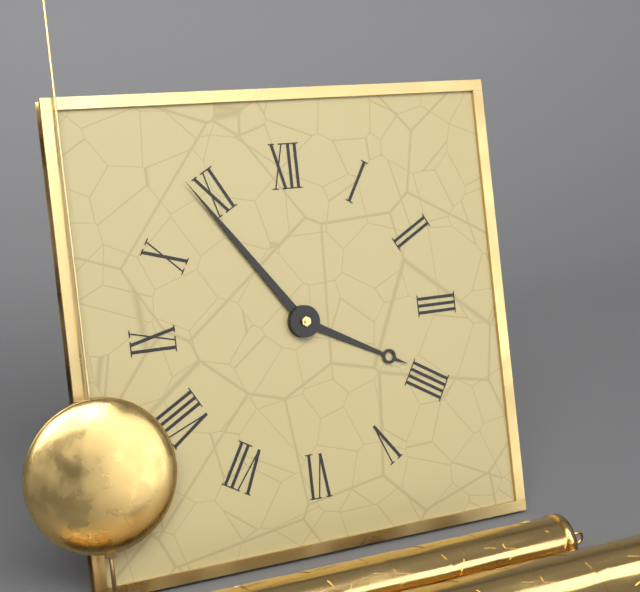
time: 3:54
